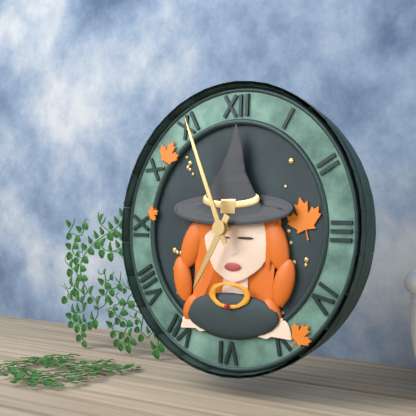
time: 6:56
